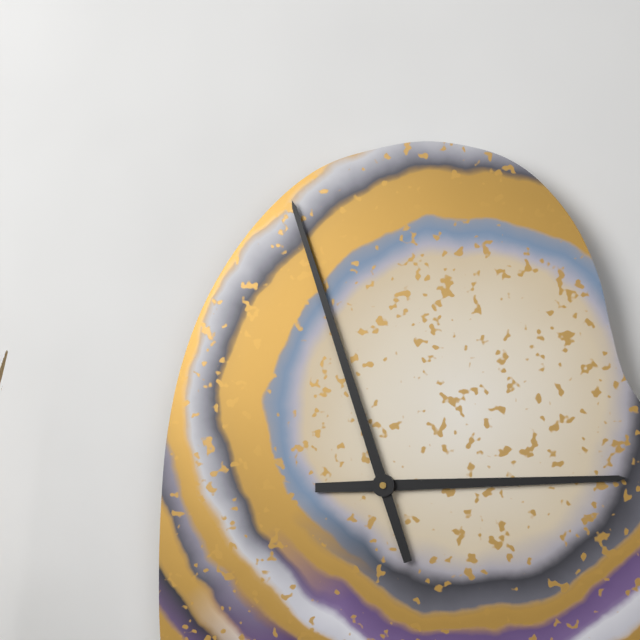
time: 2:57
